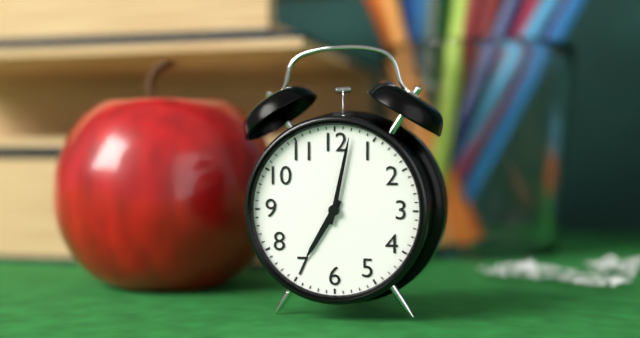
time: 7:02
